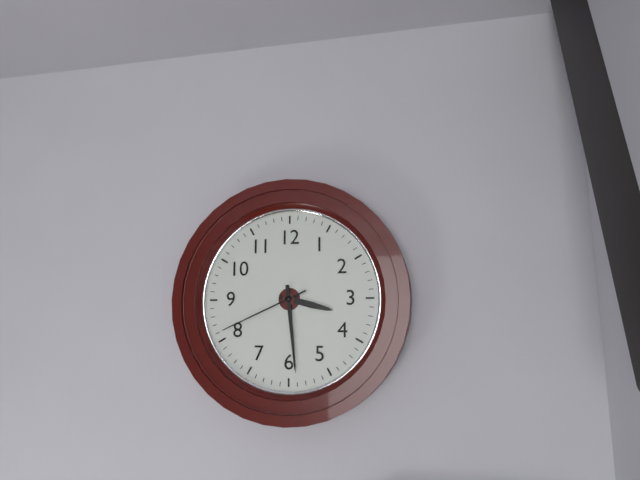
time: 3:29:41
